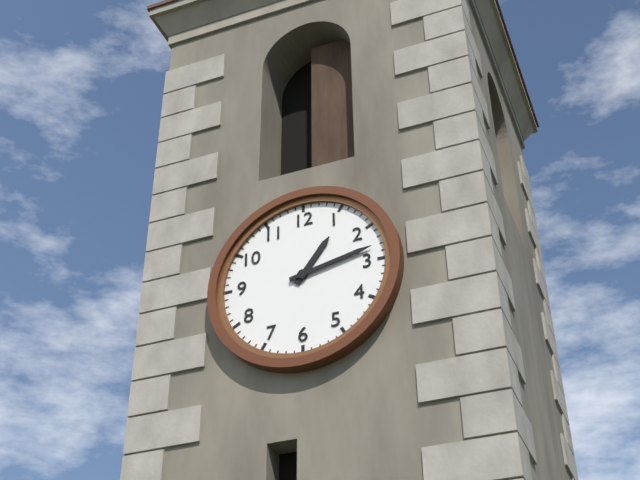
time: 1:13
